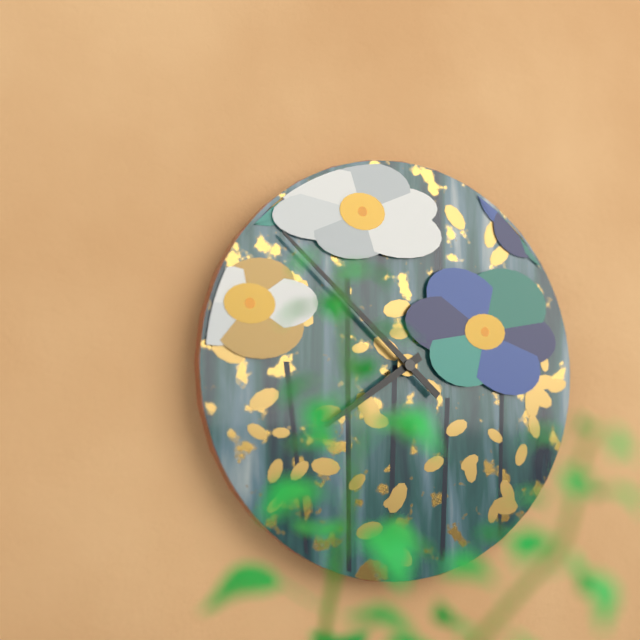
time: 7:52
